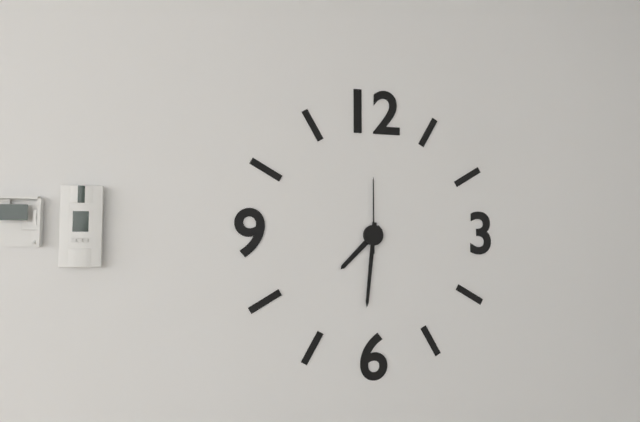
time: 7:31:00
